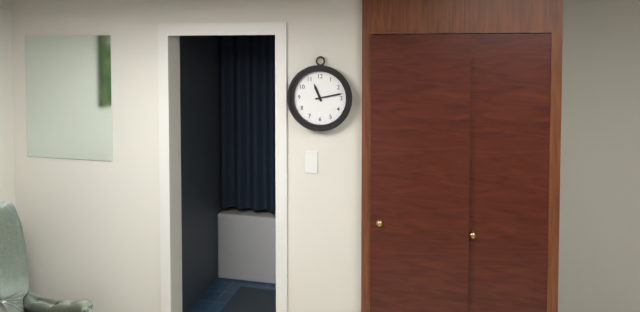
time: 11:13
